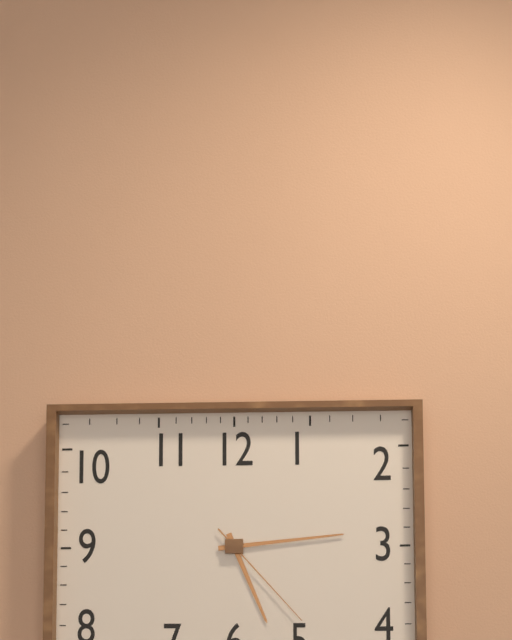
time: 5:14:23
